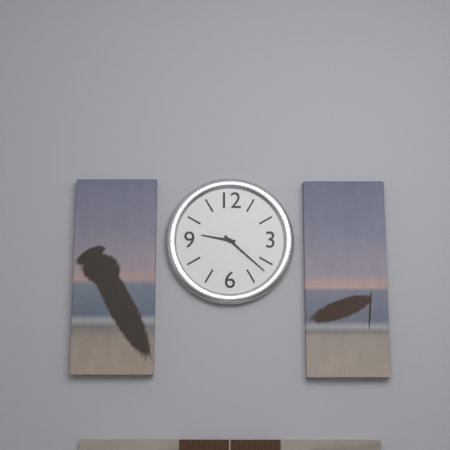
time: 9:22
